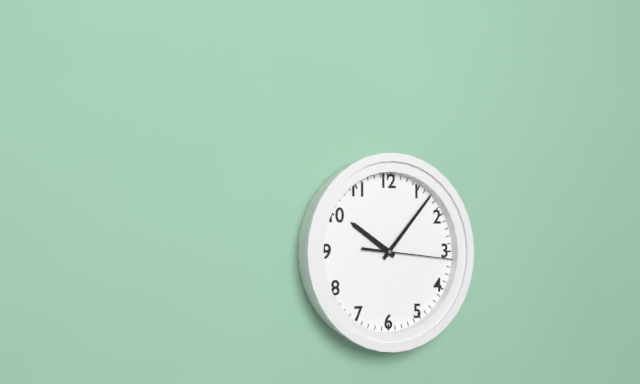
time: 10:07:16
